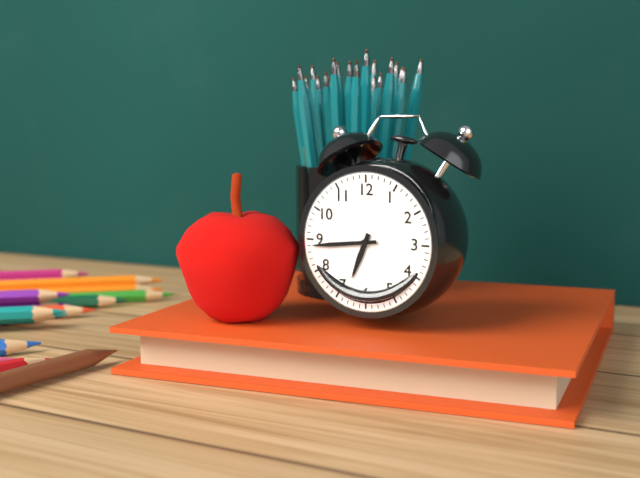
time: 6:44
